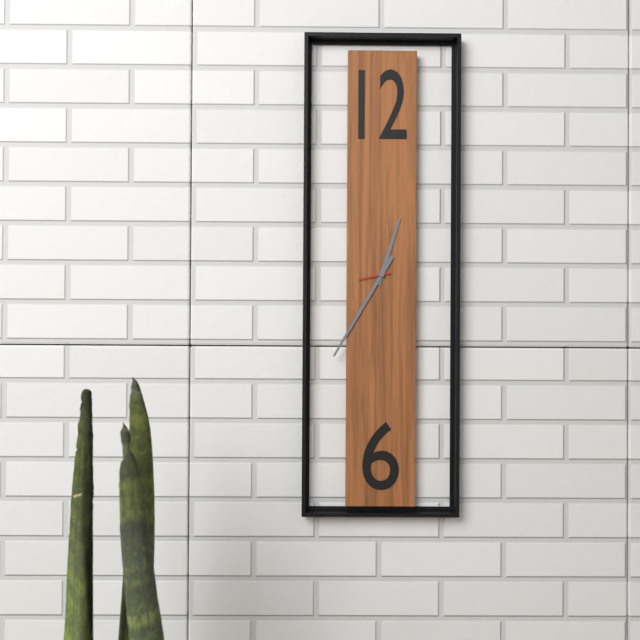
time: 12:35
